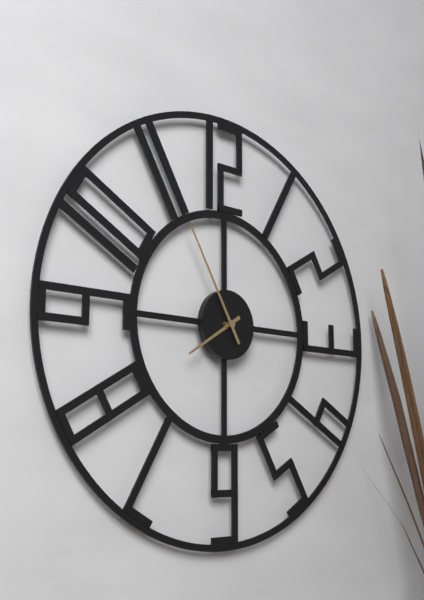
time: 7:55
